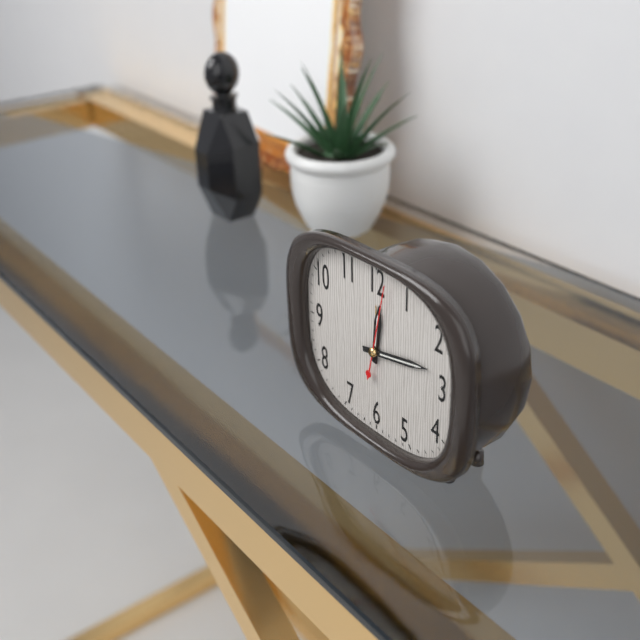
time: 12:13:02
